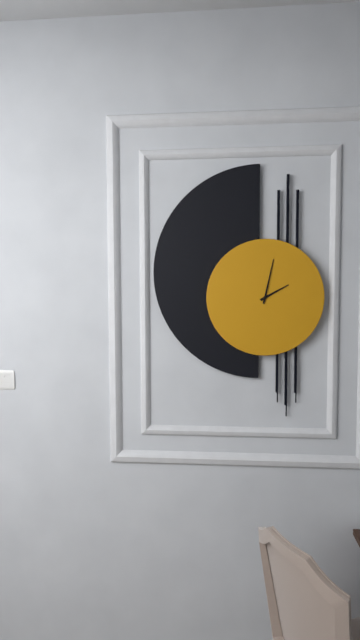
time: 2:02
